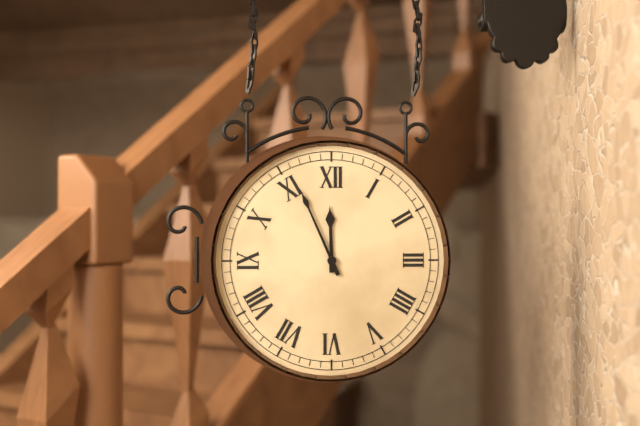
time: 11:56
